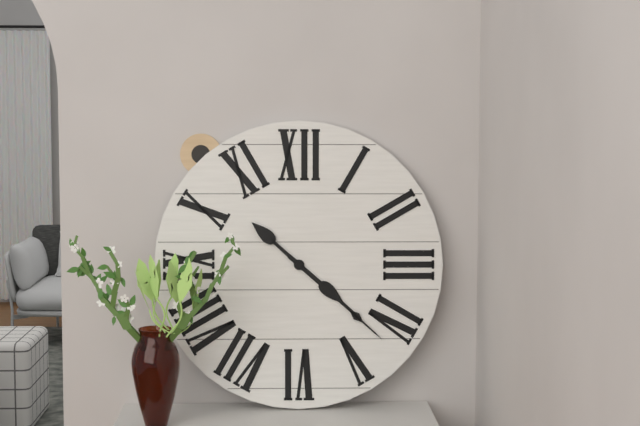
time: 4:22
